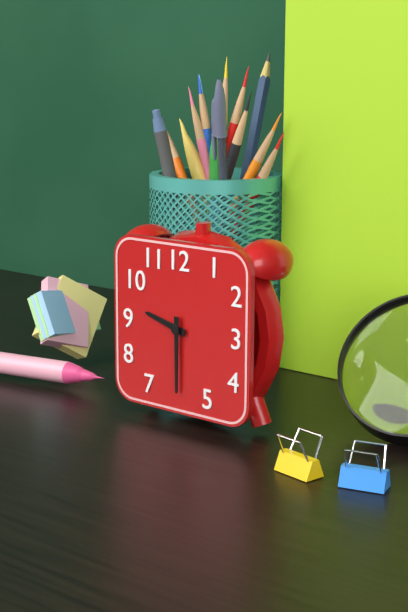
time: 9:30
